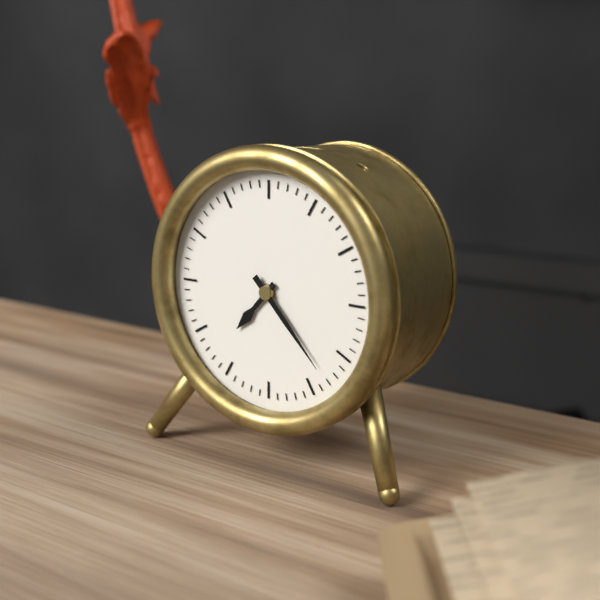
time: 7:23
